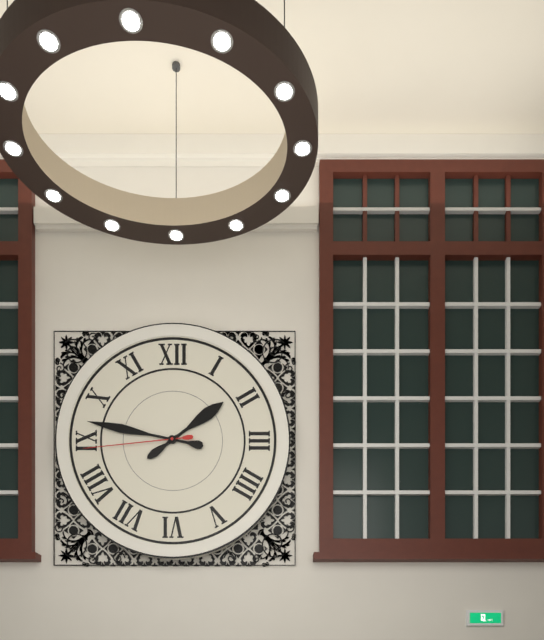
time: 1:47:44
